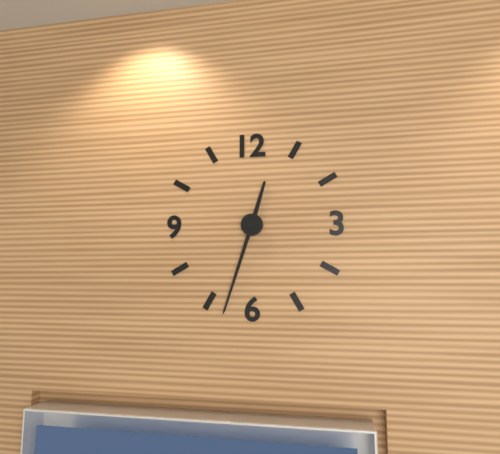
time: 12:33
